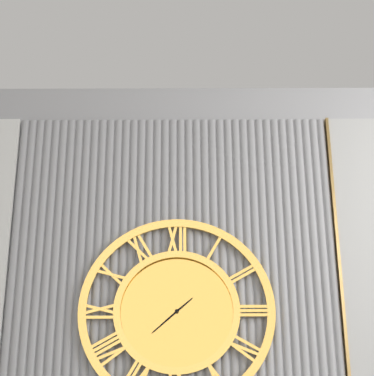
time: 1:38
